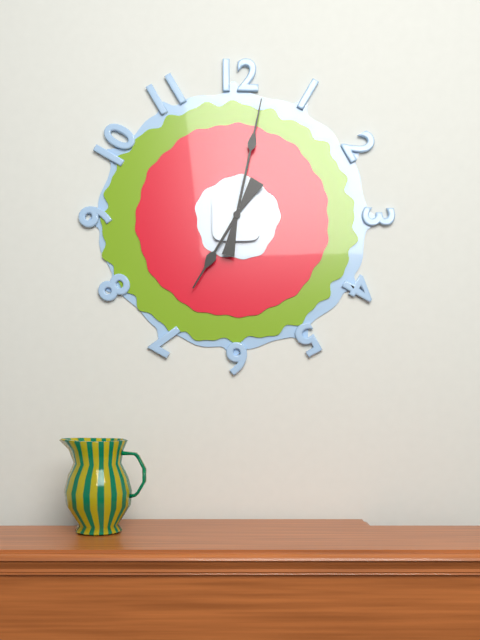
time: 7:02
